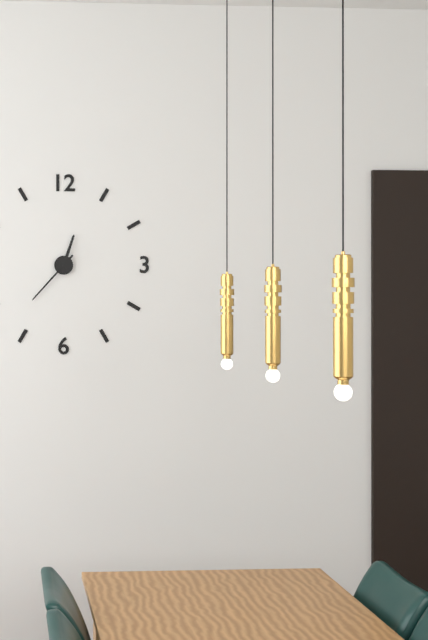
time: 12:37
